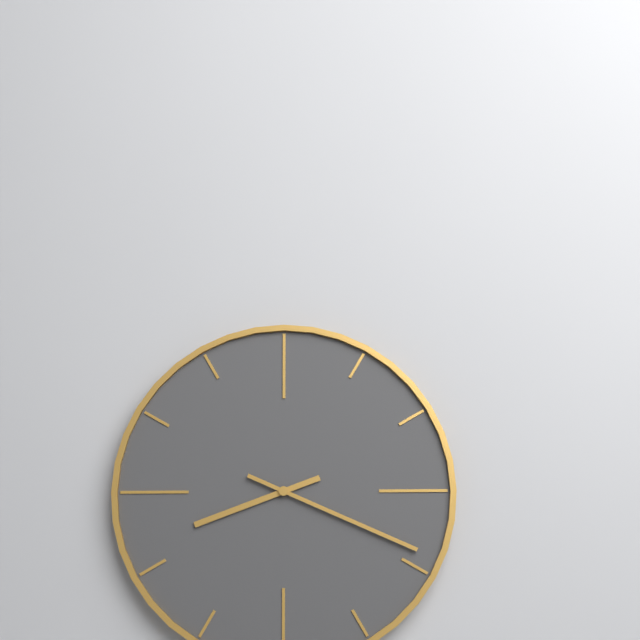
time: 8:19
